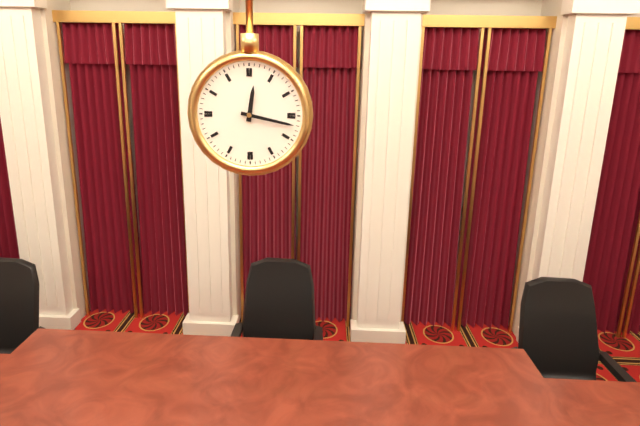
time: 12:17
